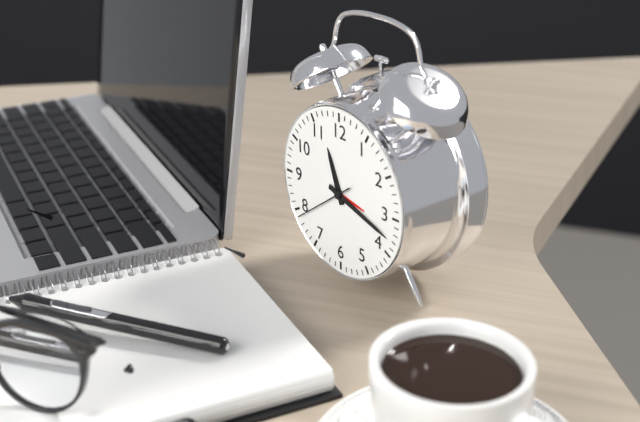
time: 11:18:39
